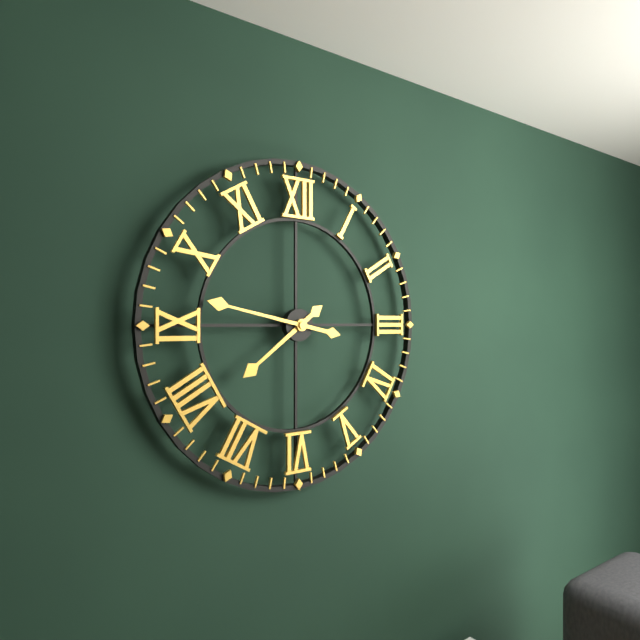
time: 7:47
